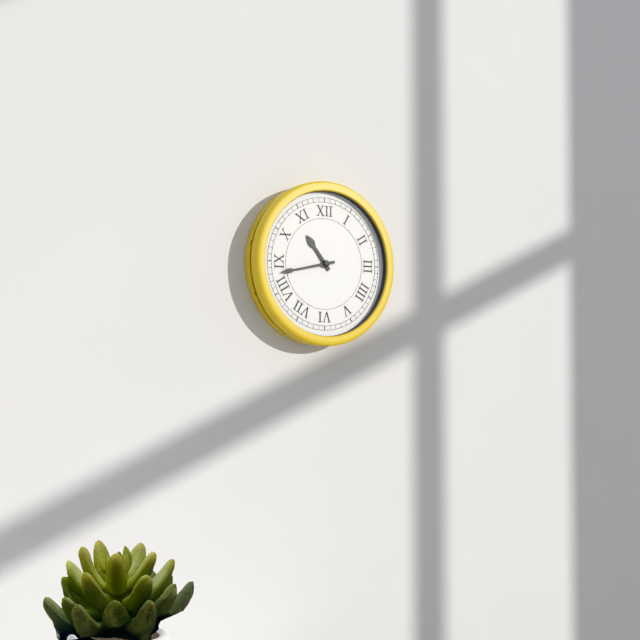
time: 10:43
